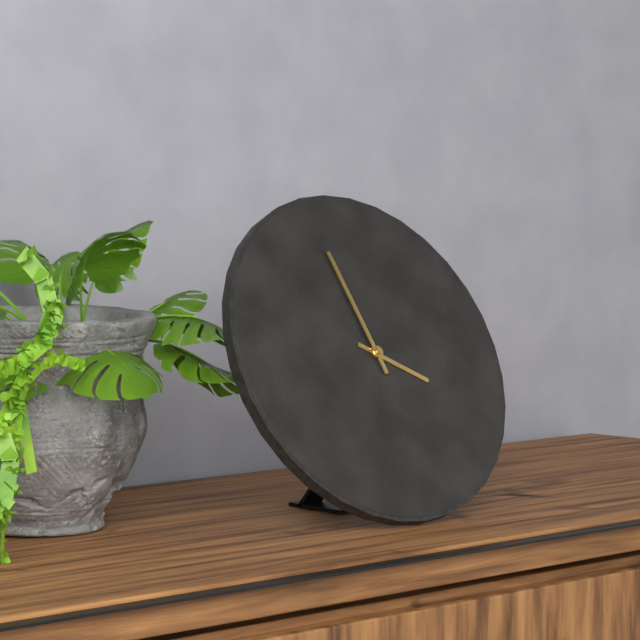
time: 3:58
